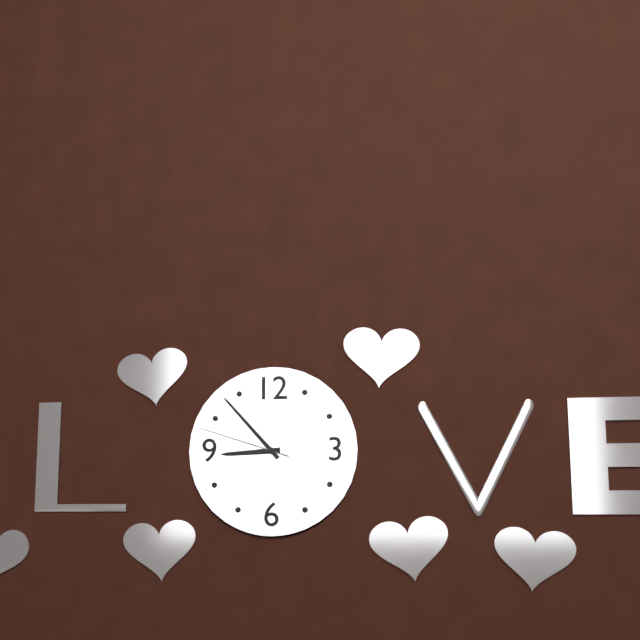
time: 8:53:48
